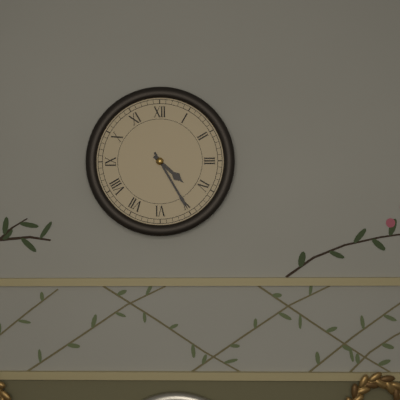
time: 4:25
